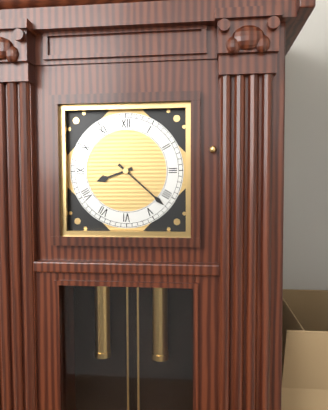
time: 8:22
